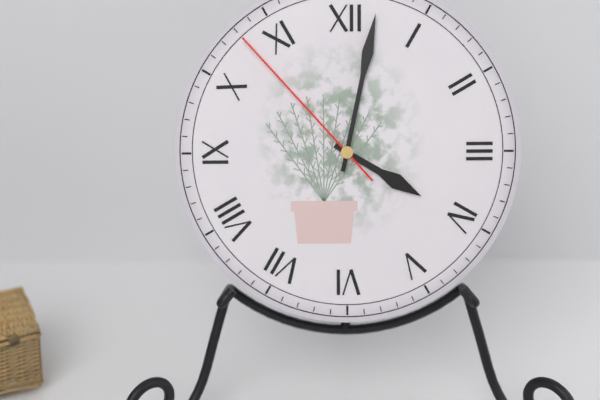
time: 4:02:53
